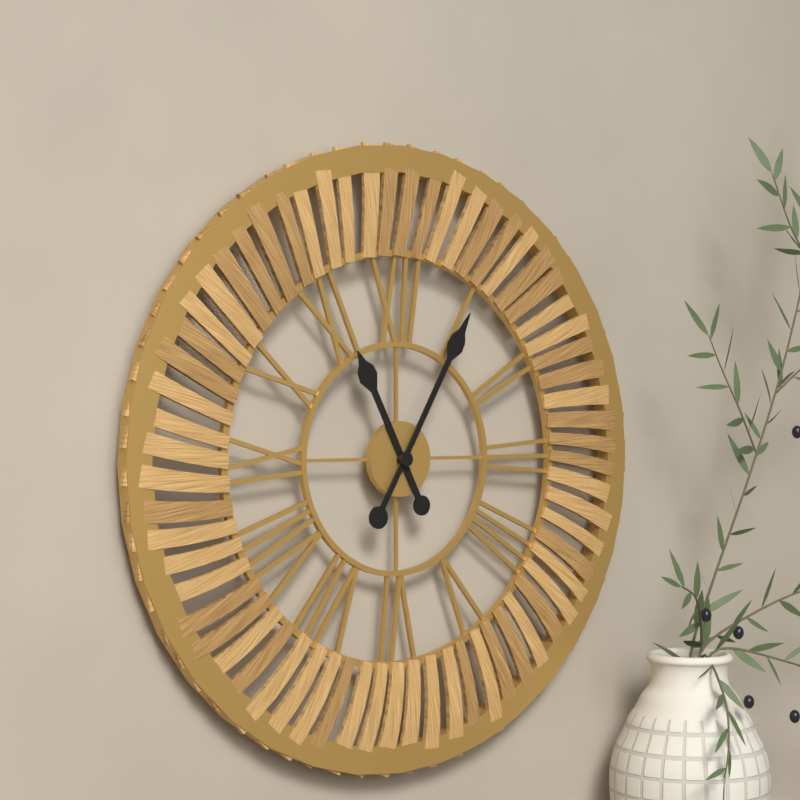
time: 11:05
